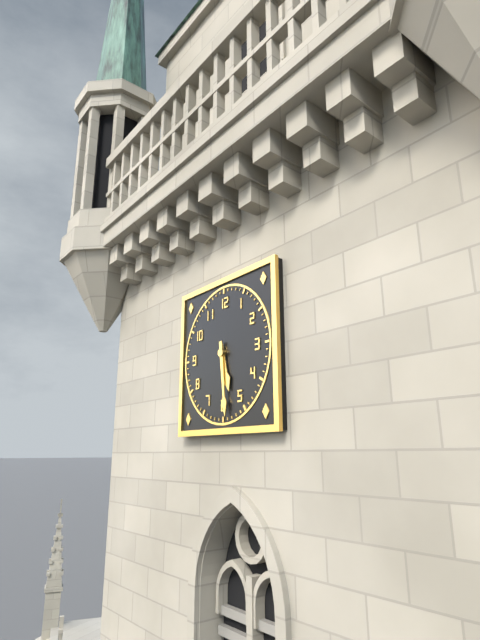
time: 5:29
